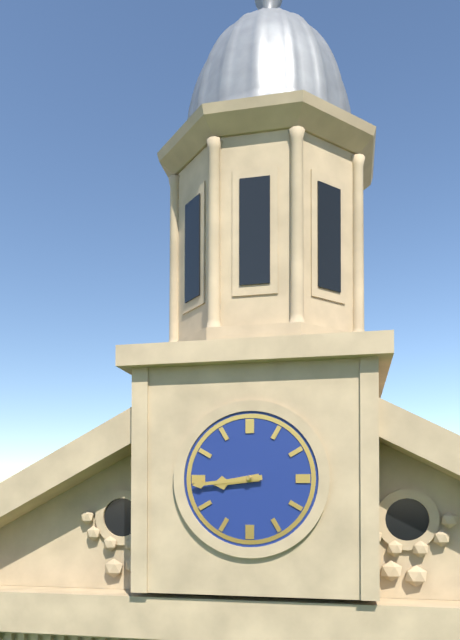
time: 8:44
